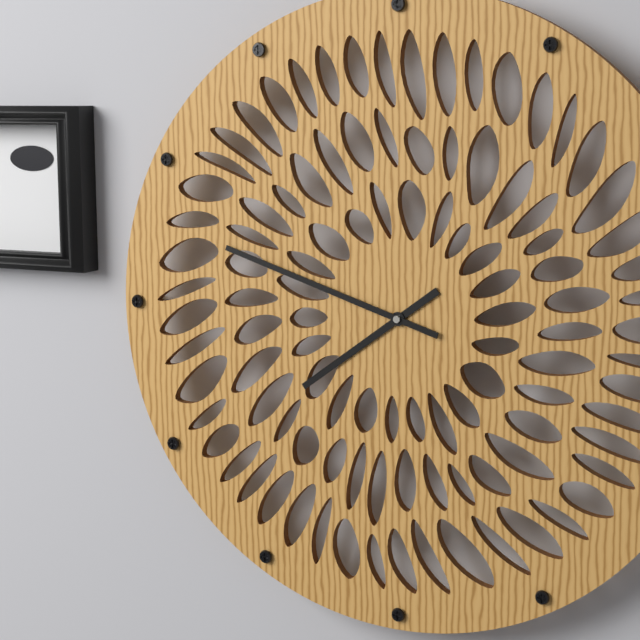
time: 7:48
